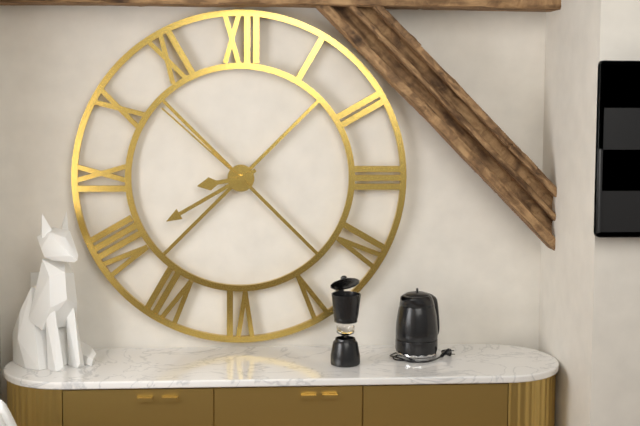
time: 8:40:52
